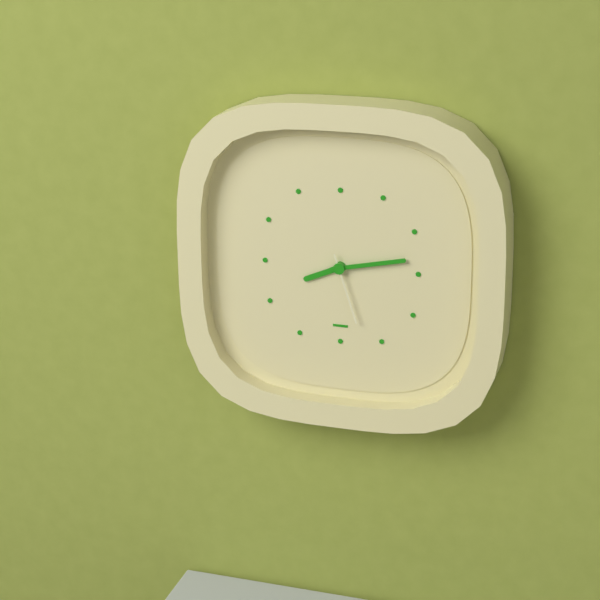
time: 8:13:27
